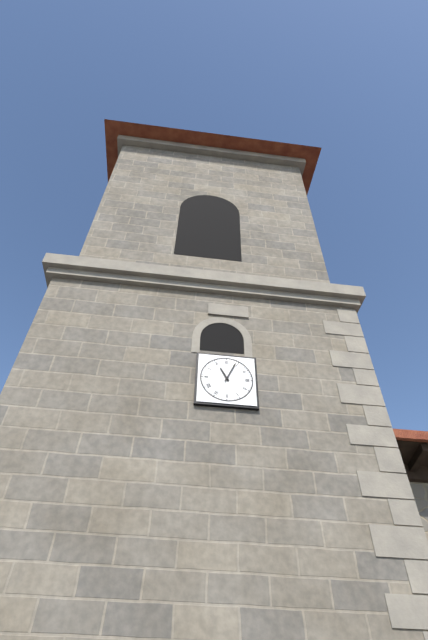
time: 11:04
